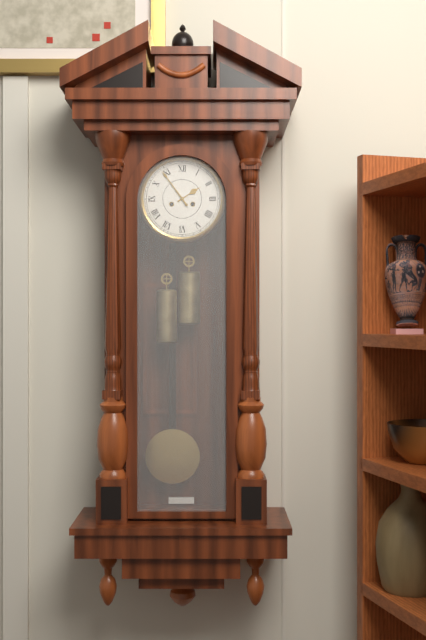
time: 1:54
